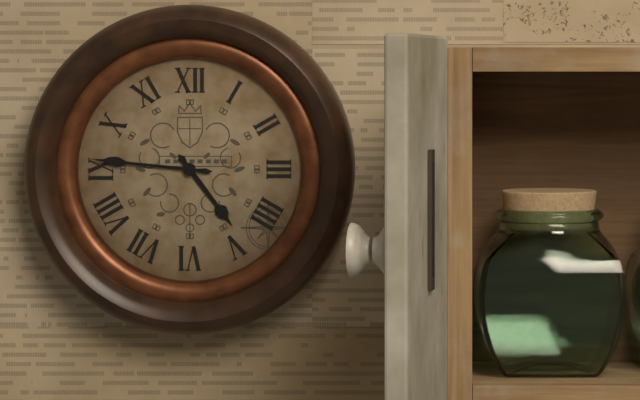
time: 4:46
